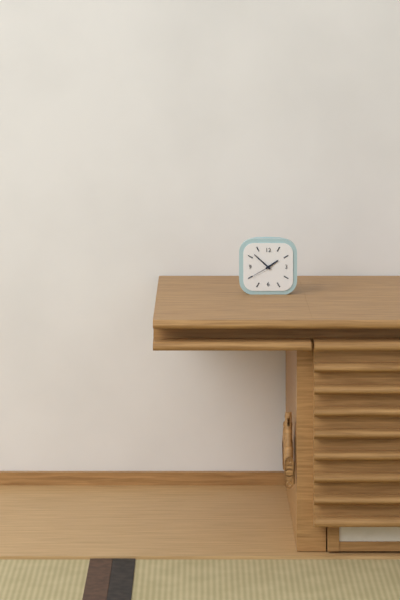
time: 1:52
